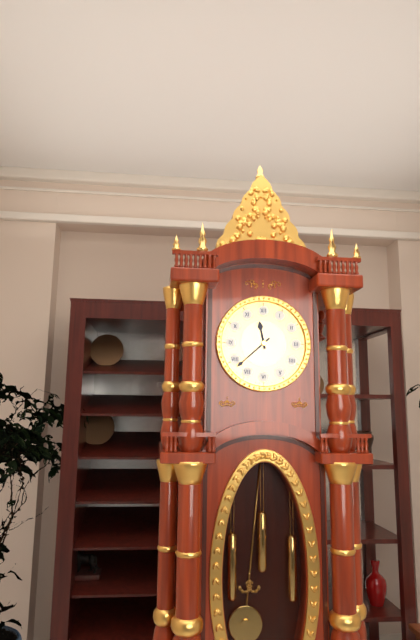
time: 11:38
